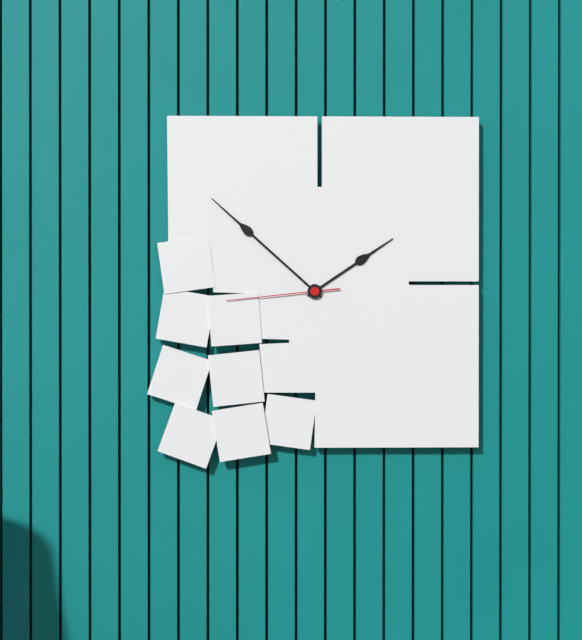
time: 1:52:44
